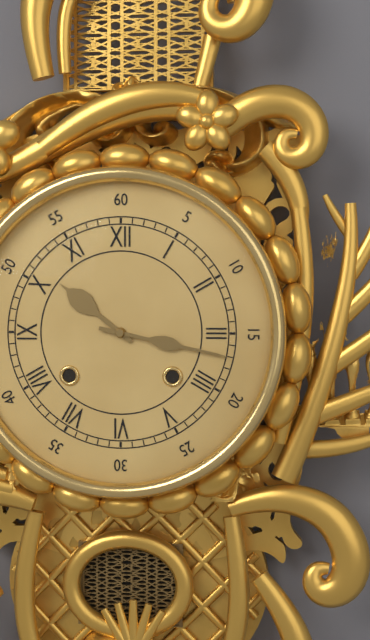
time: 10:17
